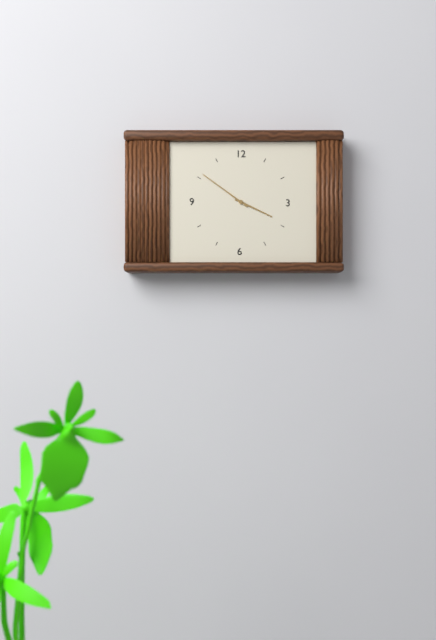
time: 3:51
